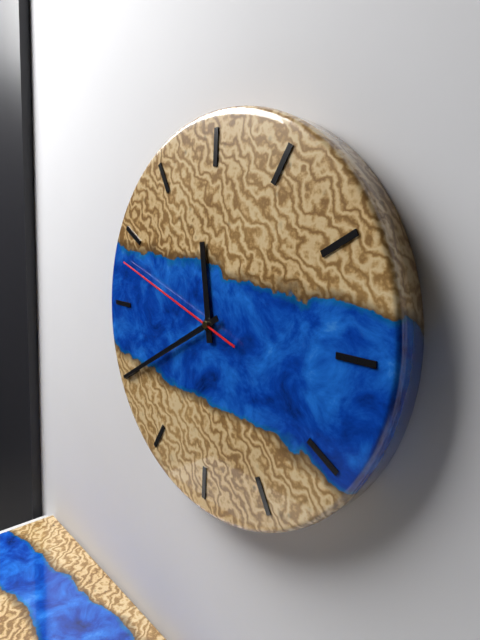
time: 11:40:48
